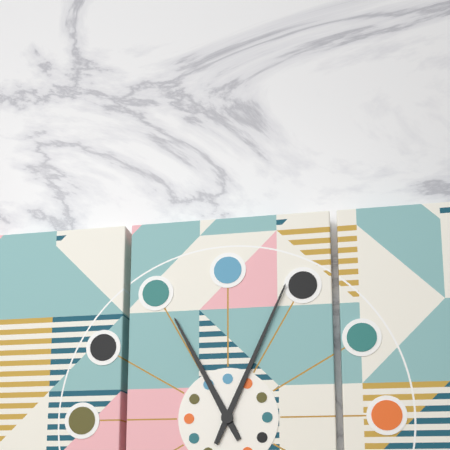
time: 11:04
